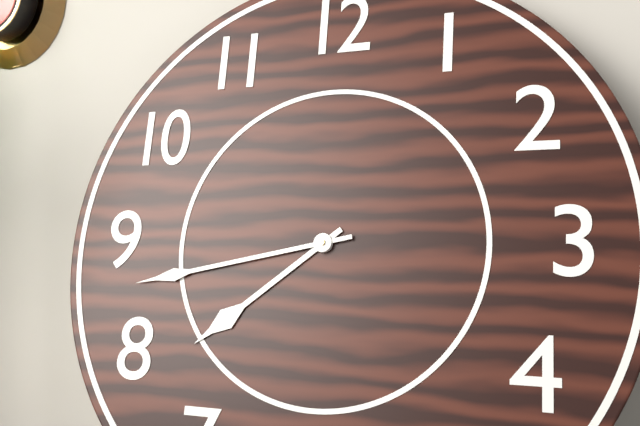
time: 7:43
